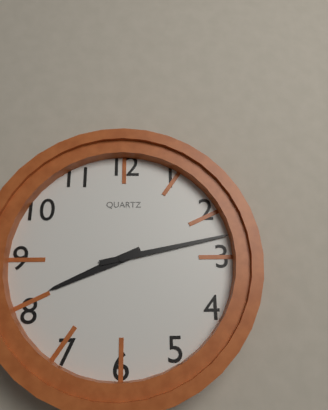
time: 8:13
